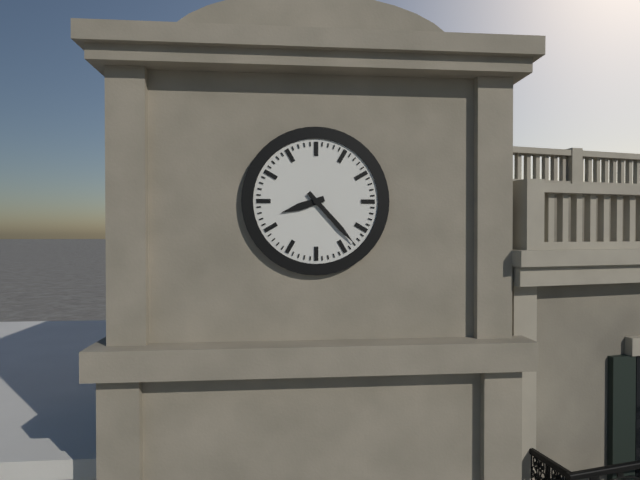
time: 8:23
